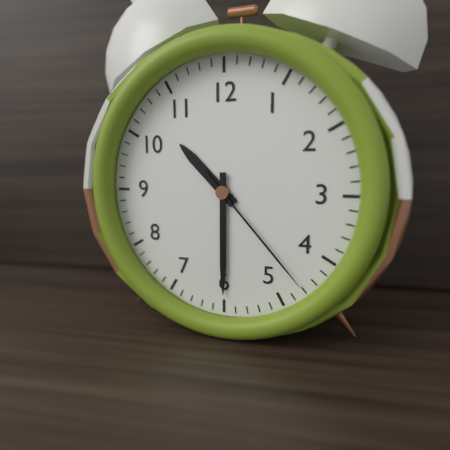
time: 10:30:23
